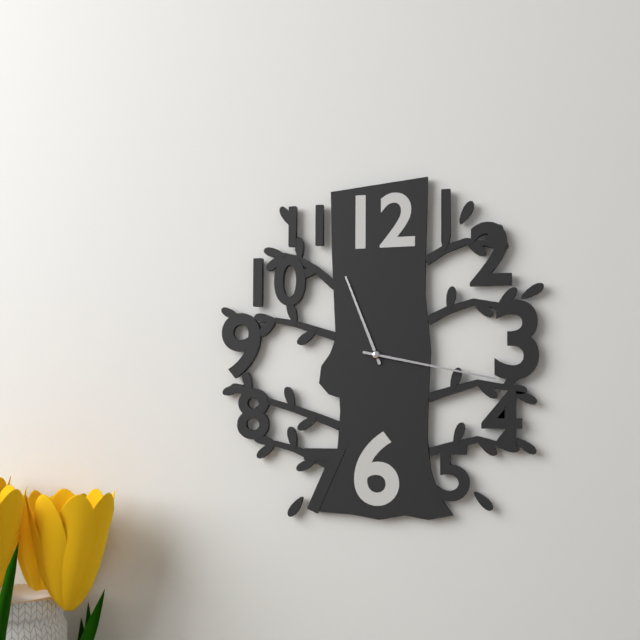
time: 11:17
